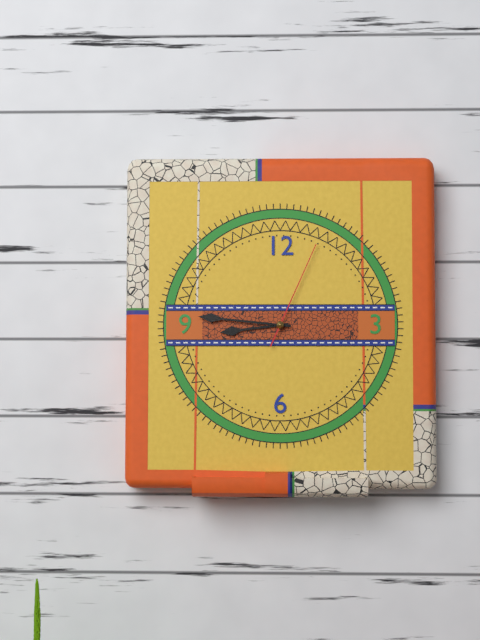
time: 8:46:04
